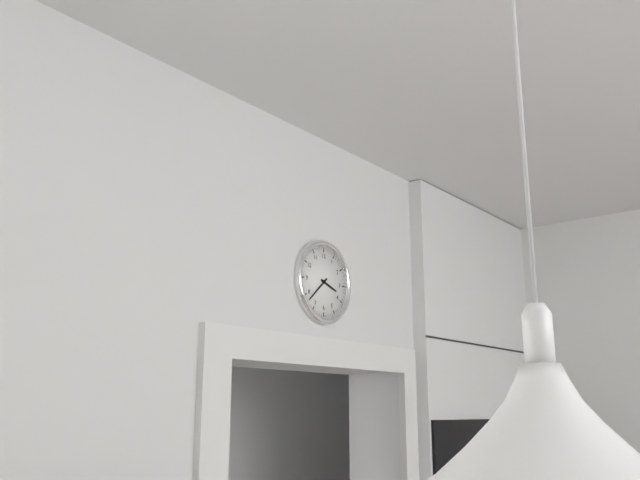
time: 3:38
